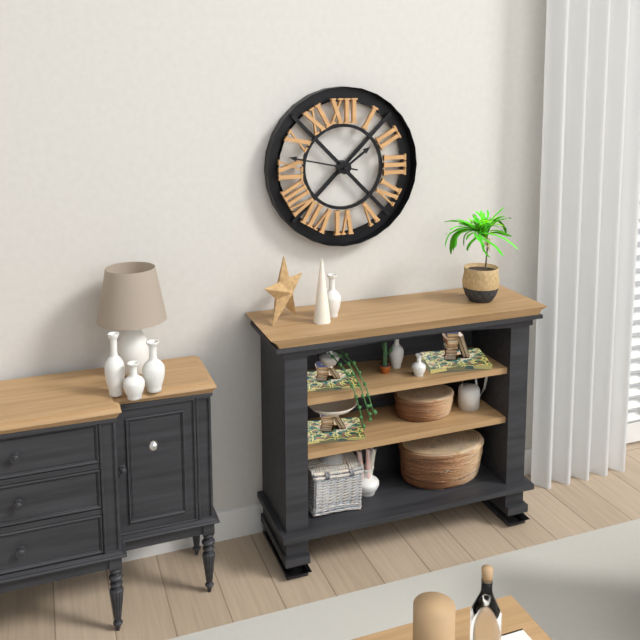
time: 1:47
